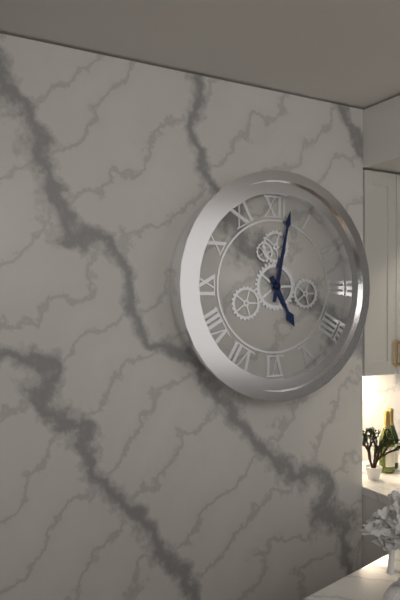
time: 5:02
